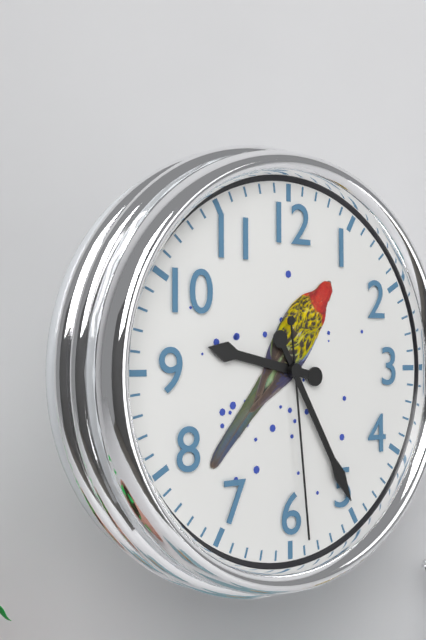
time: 9:25:29
